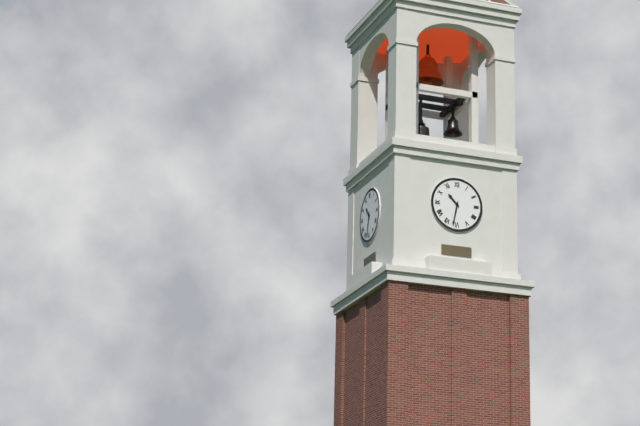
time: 10:32
